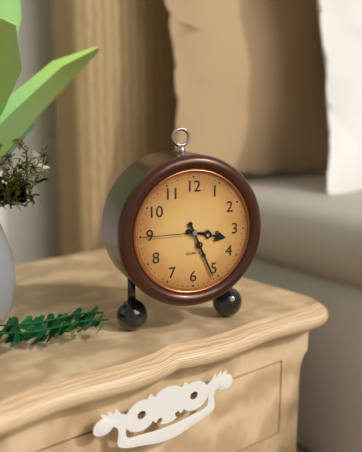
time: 3:26:45
